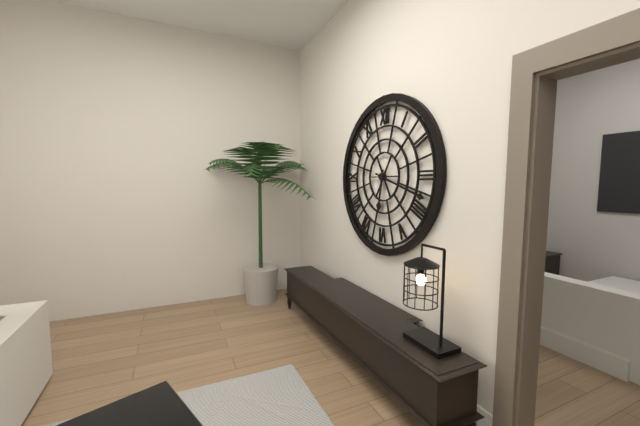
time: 6:18
